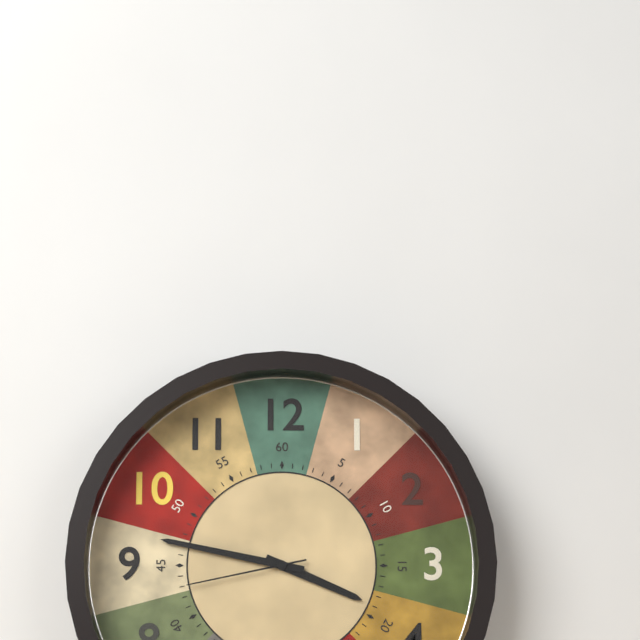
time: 3:47:43
